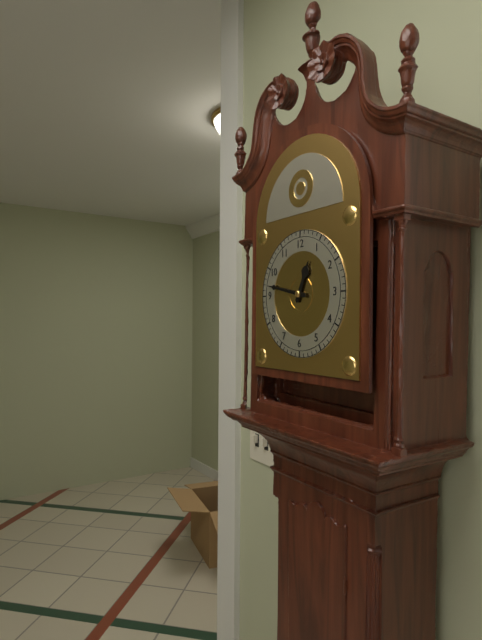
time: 12:47
